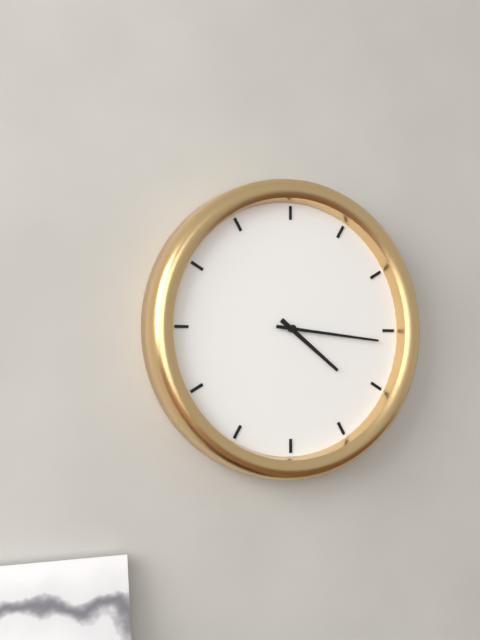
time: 4:16
